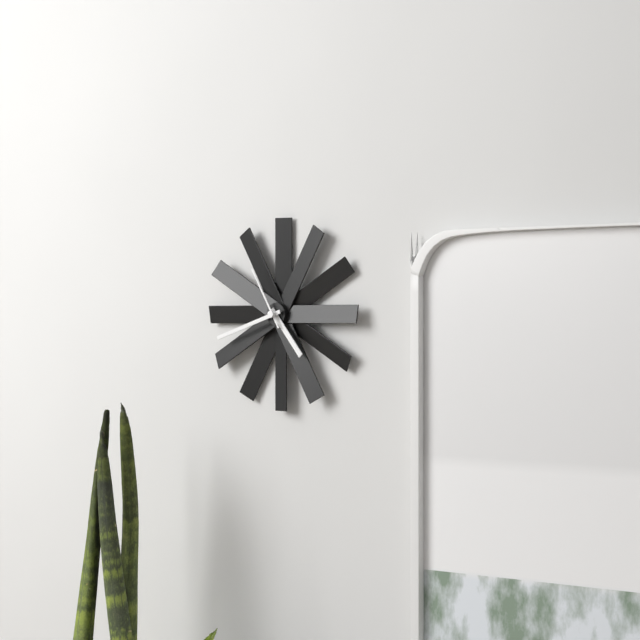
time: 4:42:55
